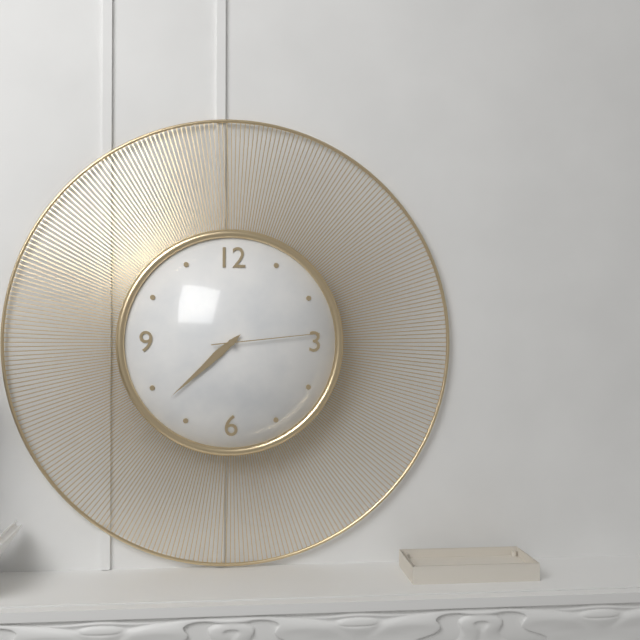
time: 7:38:14
